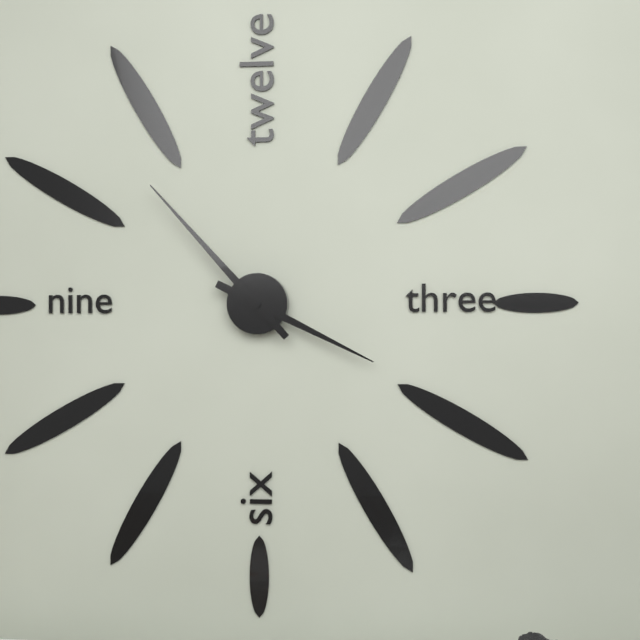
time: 3:53
